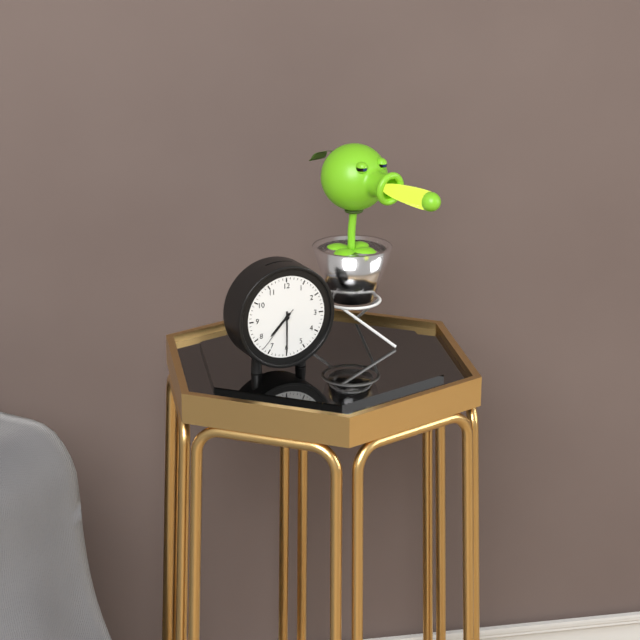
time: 7:30
